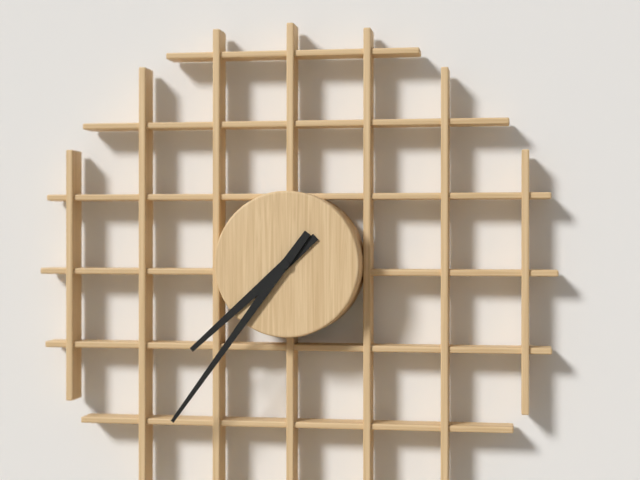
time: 7:36
